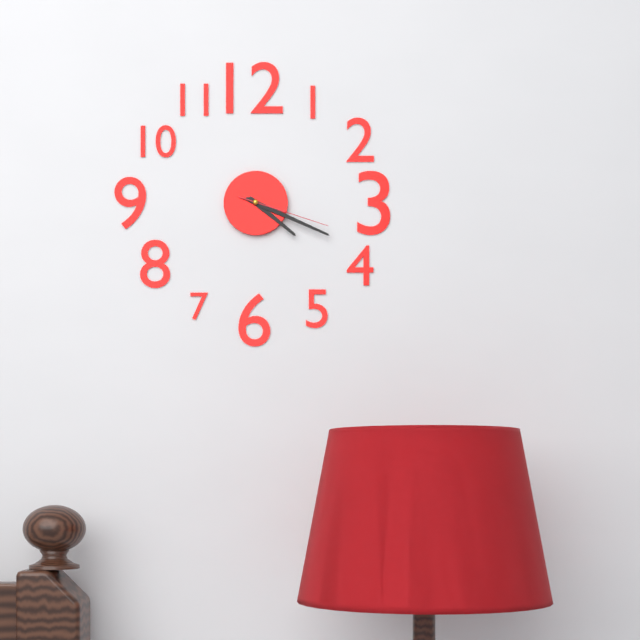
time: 4:19:18
